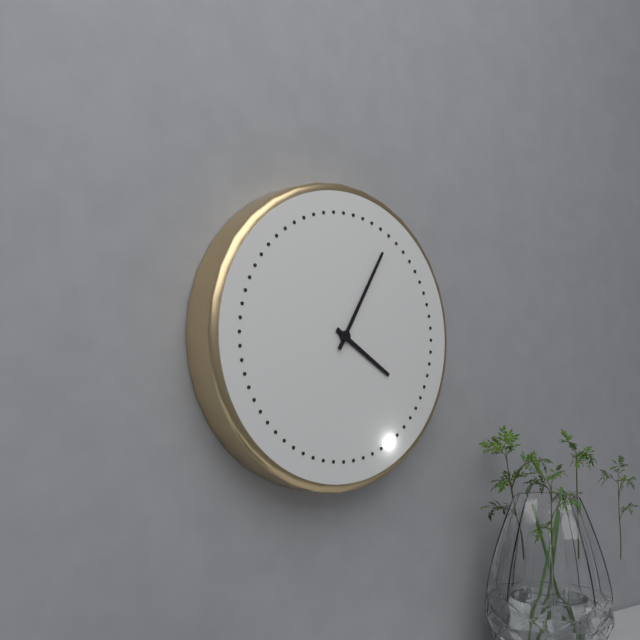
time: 4:05
